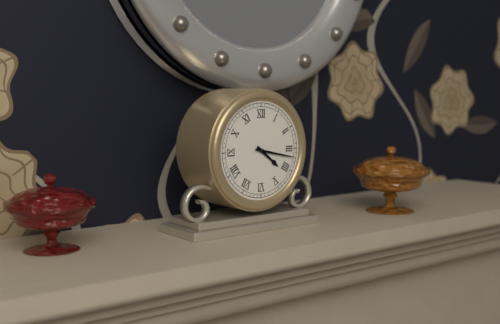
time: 4:17
